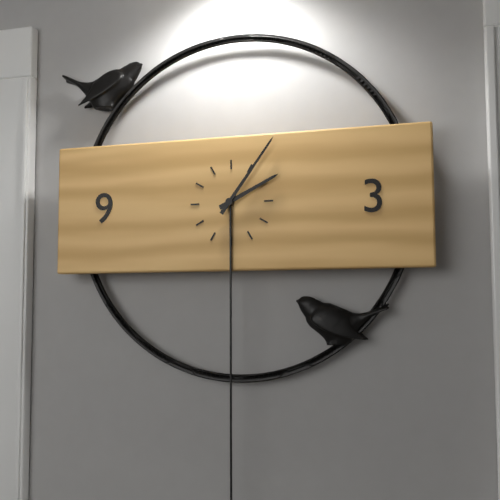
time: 2:06
